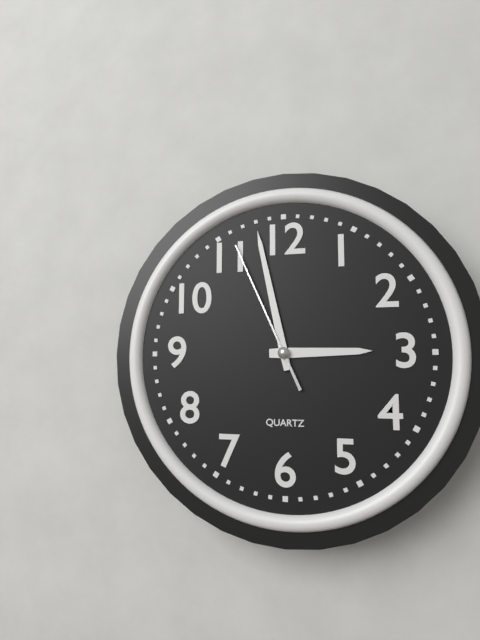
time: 2:58:56
